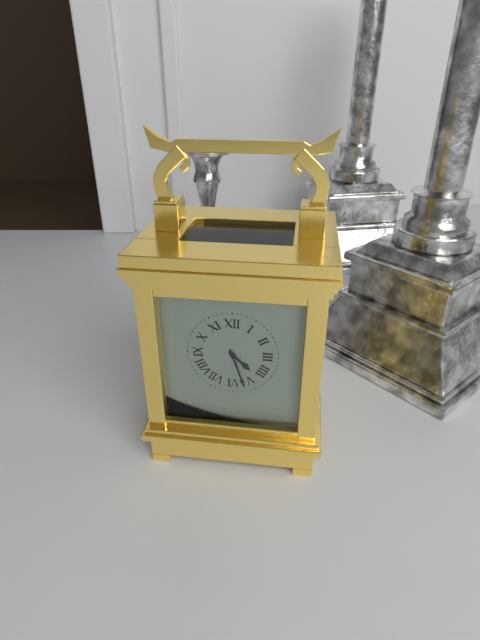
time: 4:27
